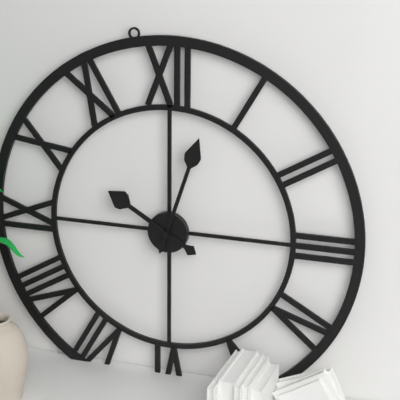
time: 10:03
